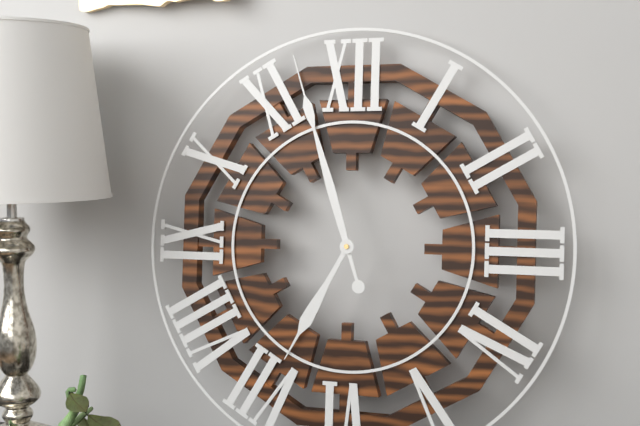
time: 6:57
